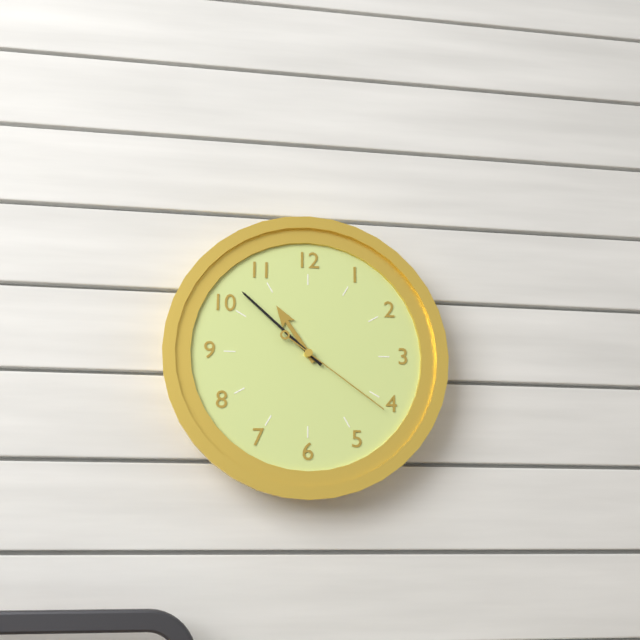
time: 10:52:21
